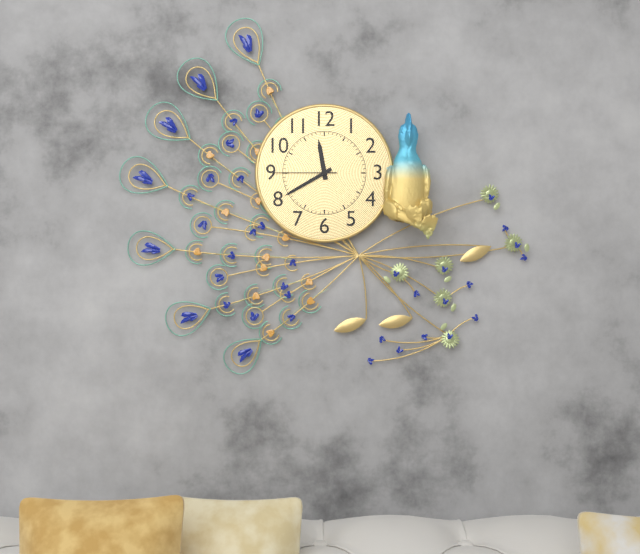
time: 11:40:45
